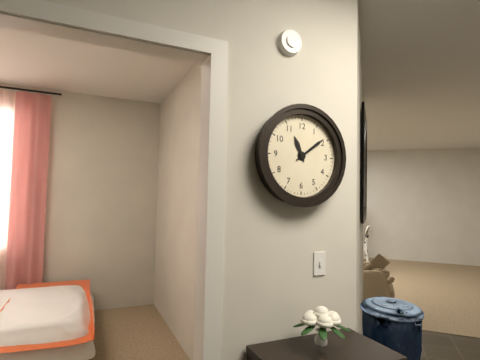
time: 11:09
